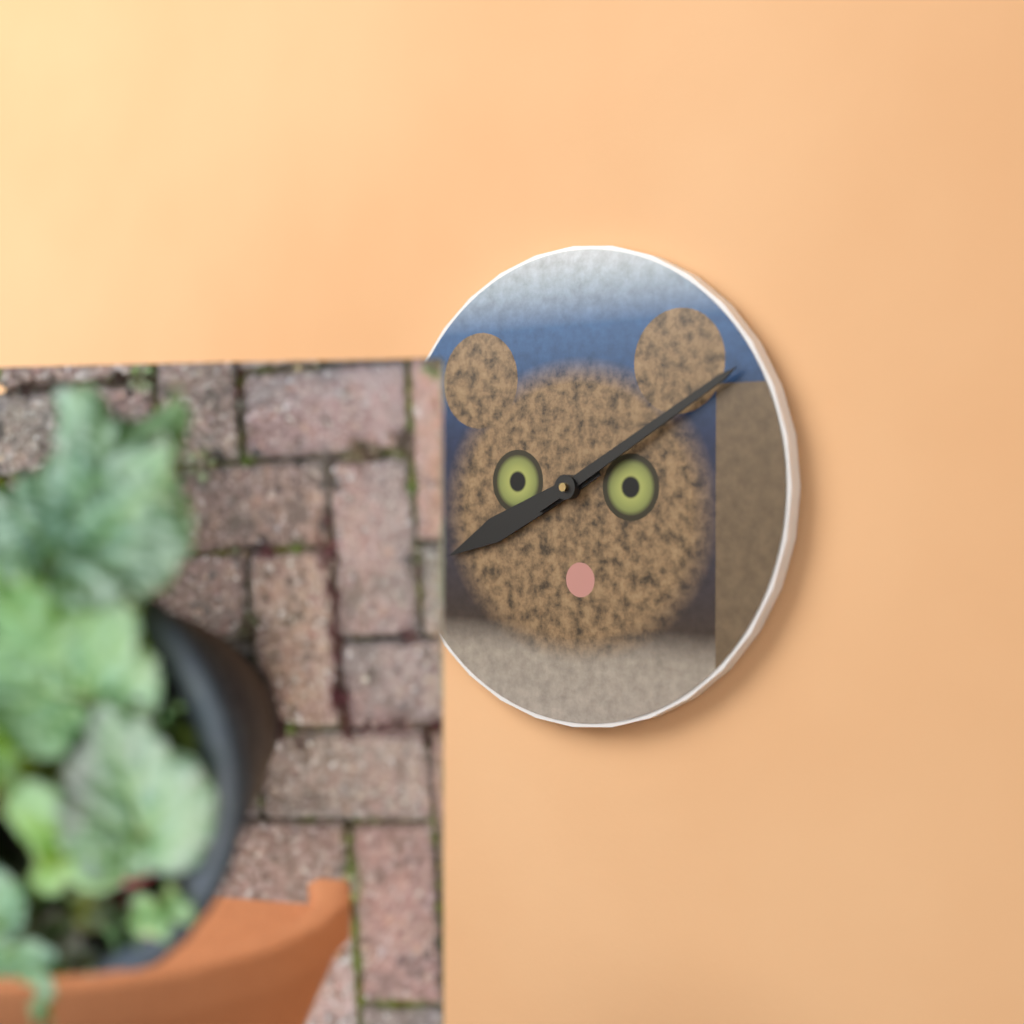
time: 8:10
